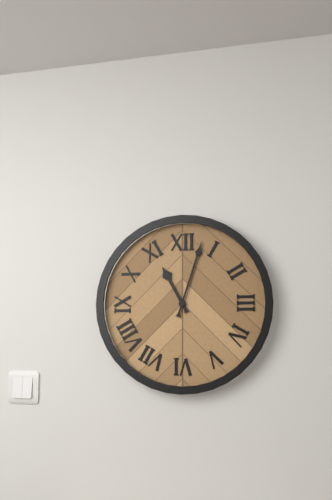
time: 11:03
